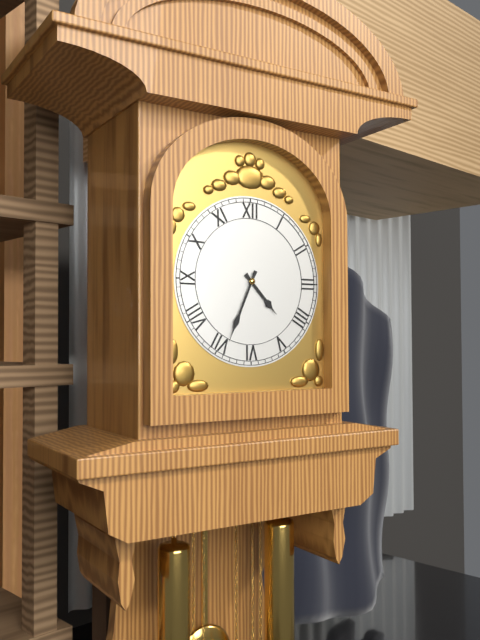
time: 4:34
